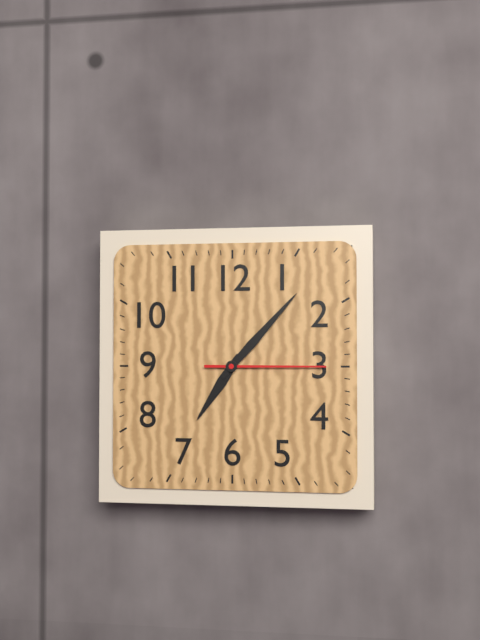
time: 7:07:15
